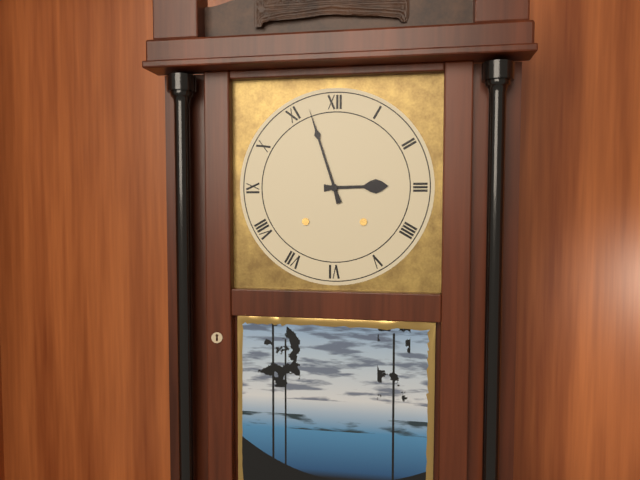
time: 2:57
